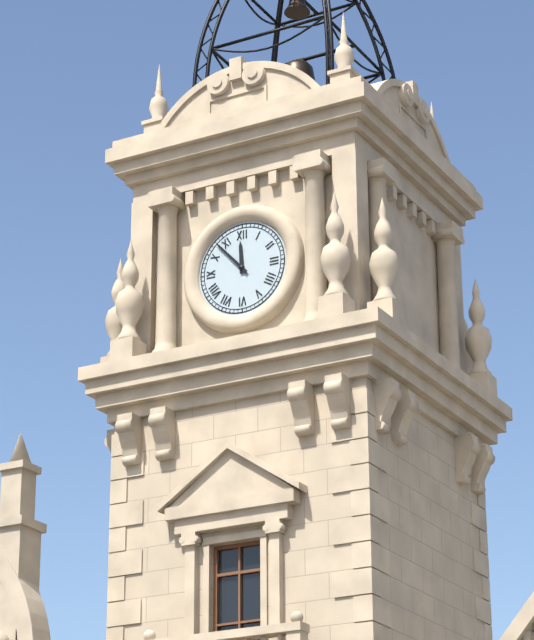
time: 11:53
